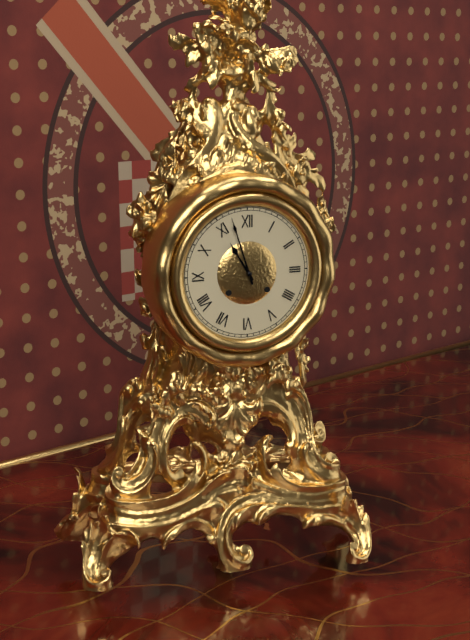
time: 10:57
